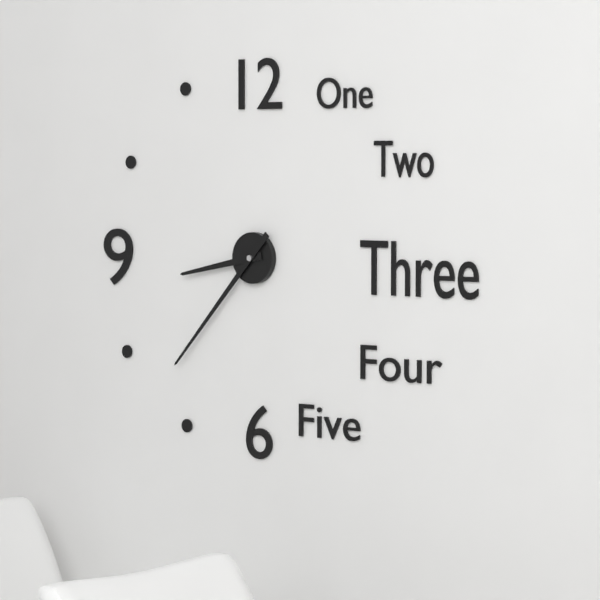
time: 8:37
